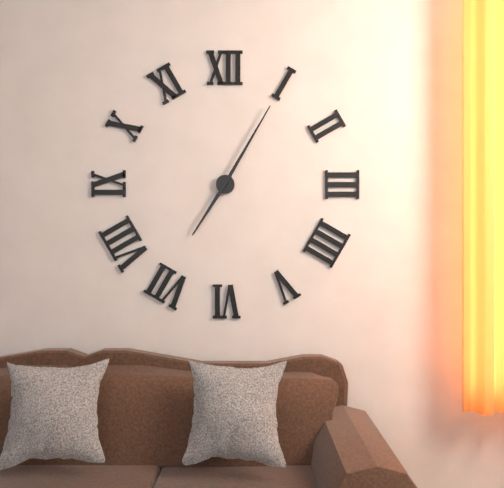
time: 7:05
